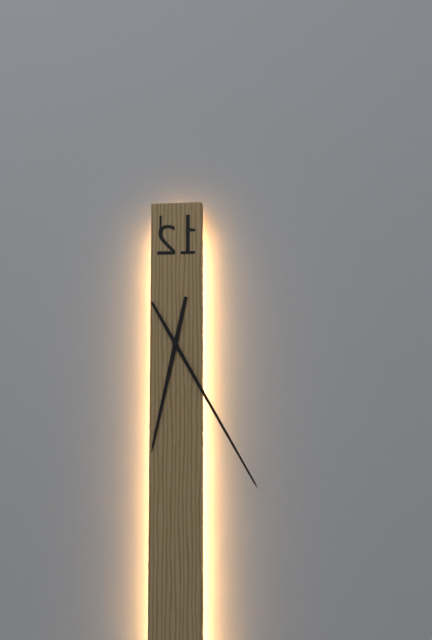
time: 6:25
